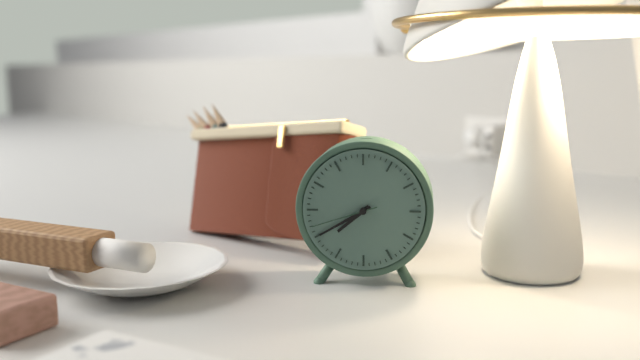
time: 7:40:42
